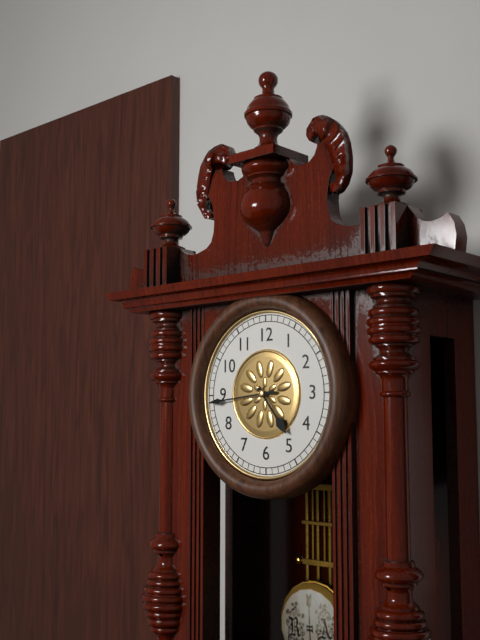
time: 4:44
